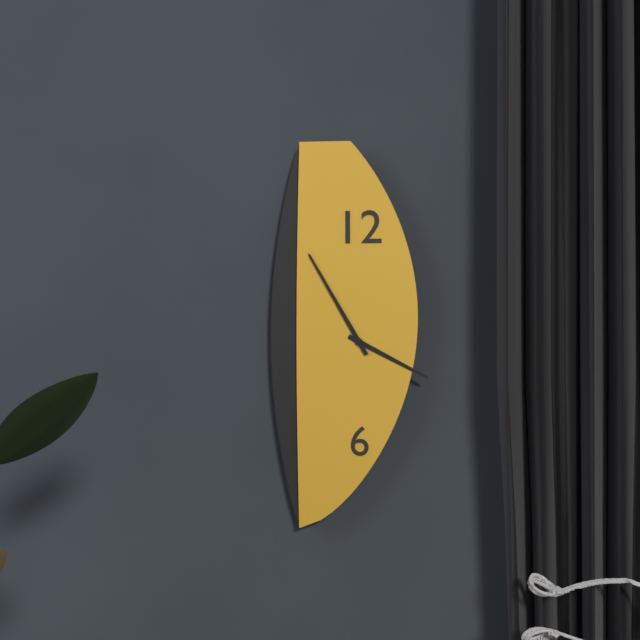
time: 3:55
